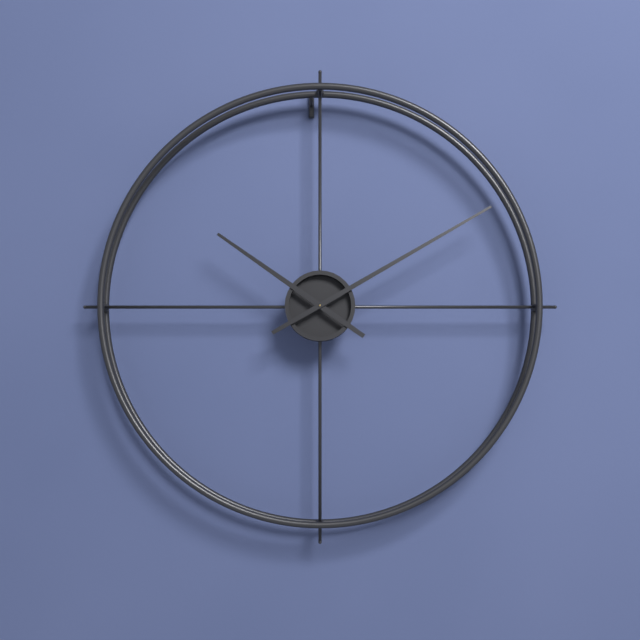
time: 10:10
